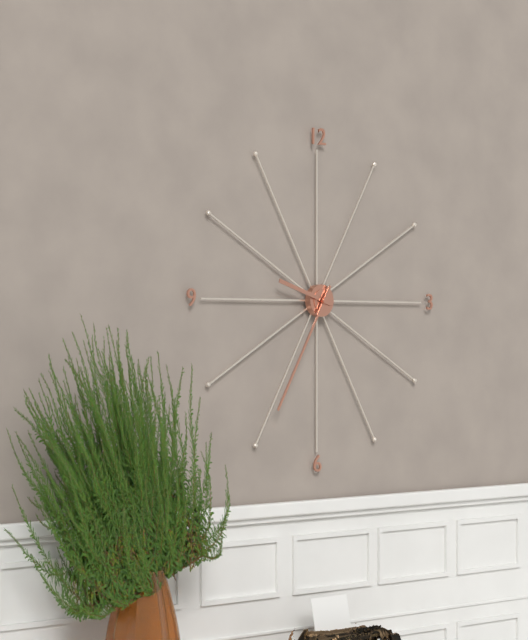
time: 9:35
